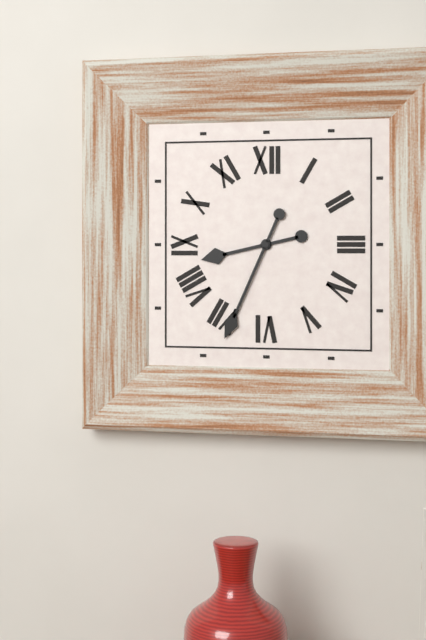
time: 8:34
